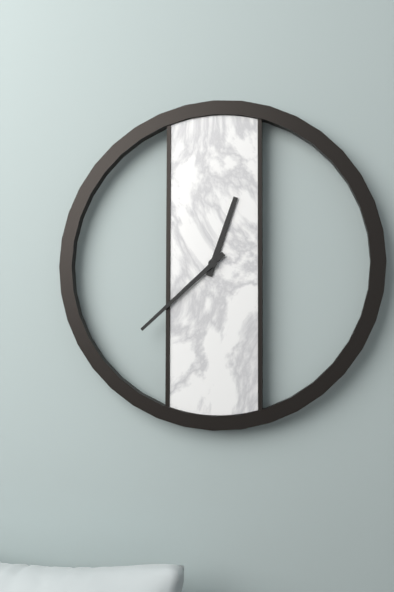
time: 12:38
